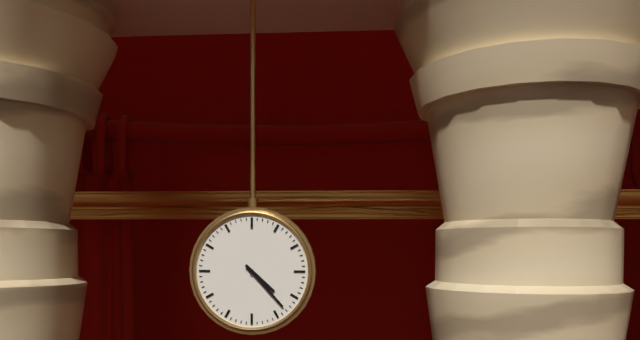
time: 4:23
